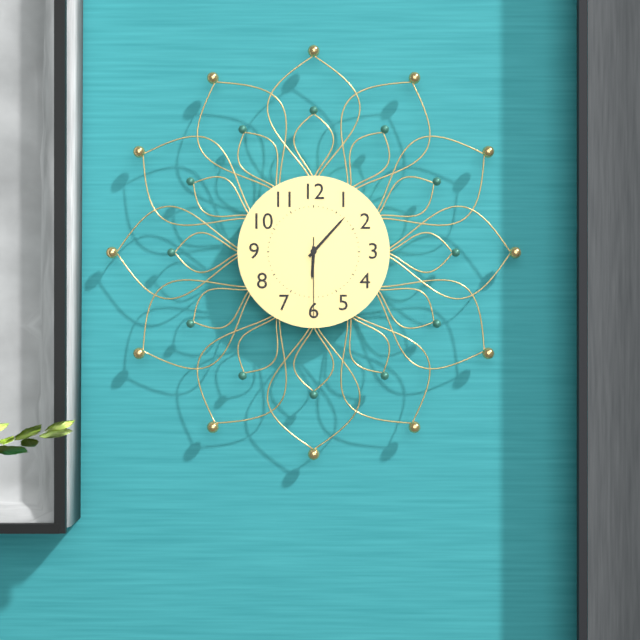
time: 6:07:30
